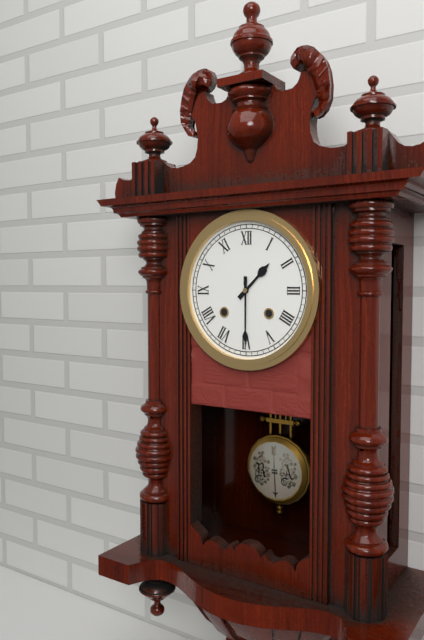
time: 1:30
